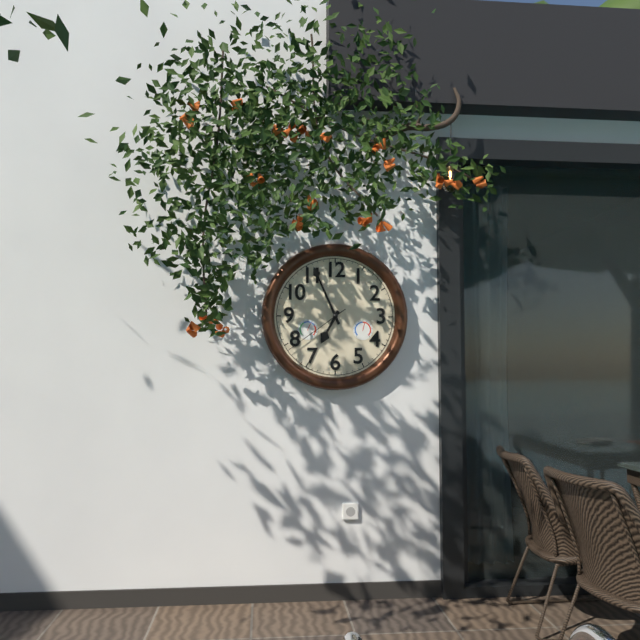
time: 6:56:39
